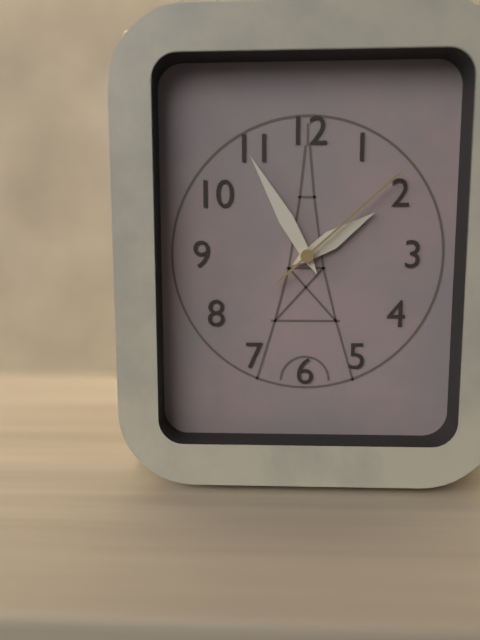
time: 1:55:08
